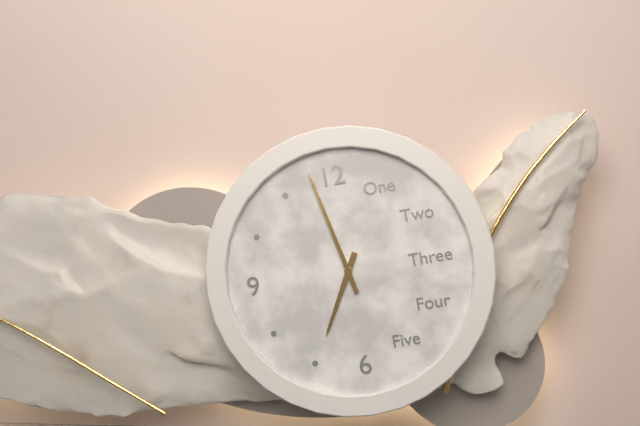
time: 6:58
